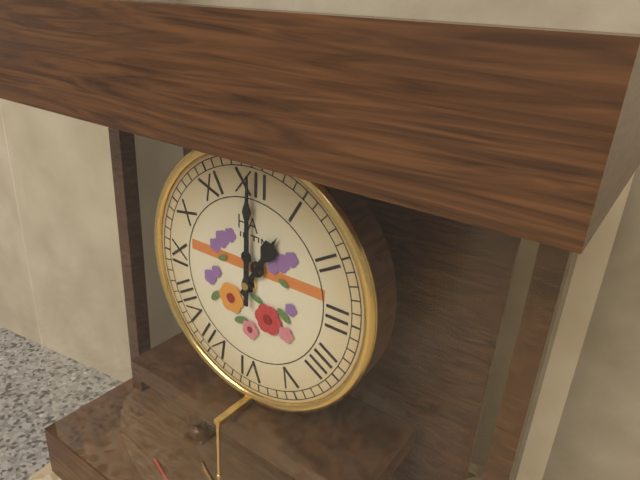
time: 1:00
